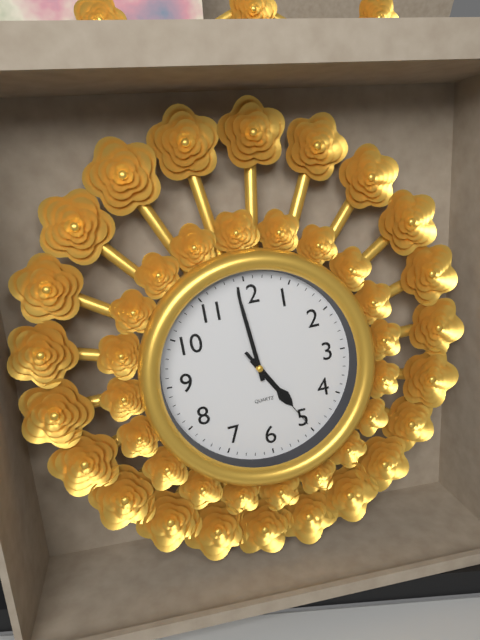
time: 4:59:25
